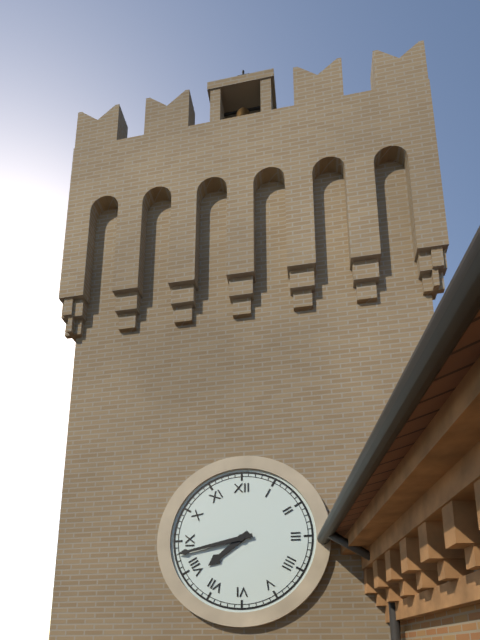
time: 7:43
